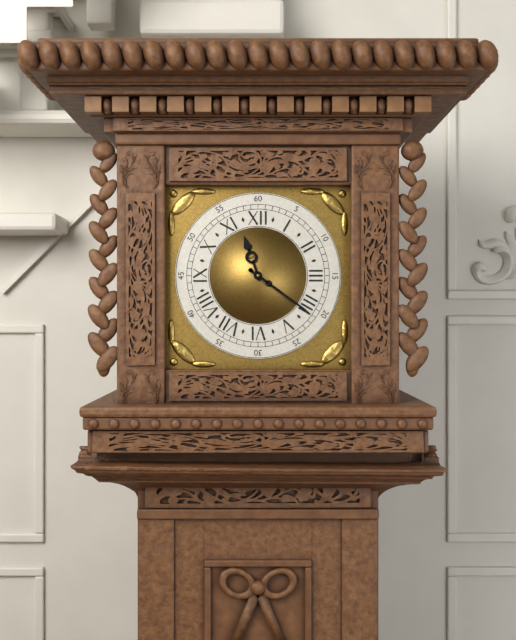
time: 11:21
